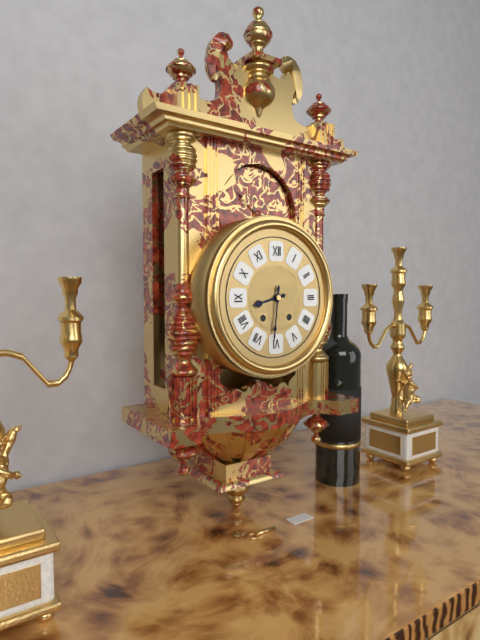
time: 8:31
